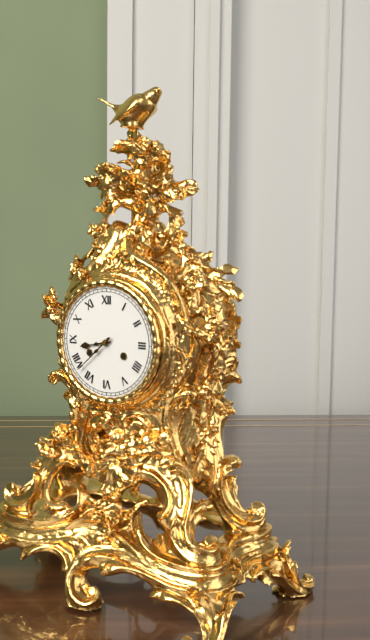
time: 8:38
